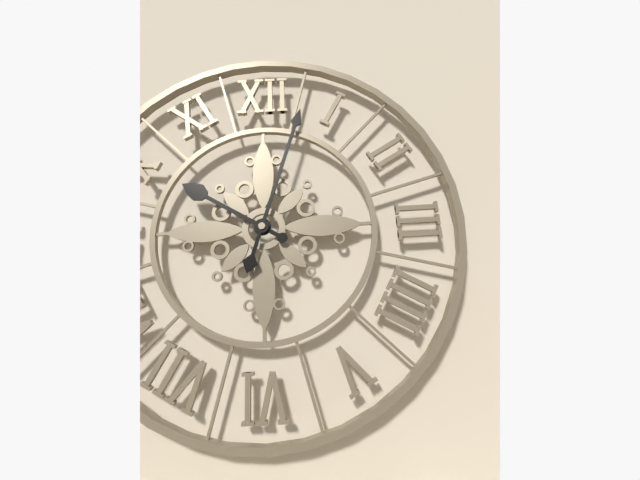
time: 10:03
